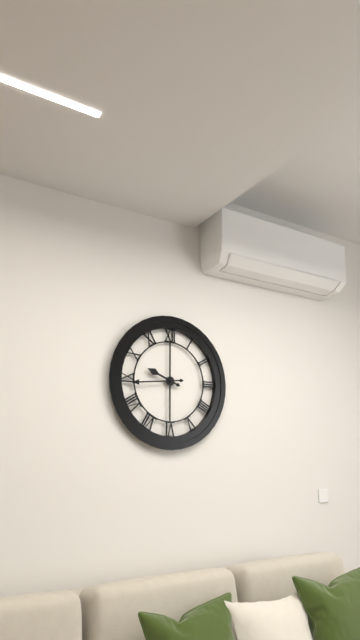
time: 9:44
